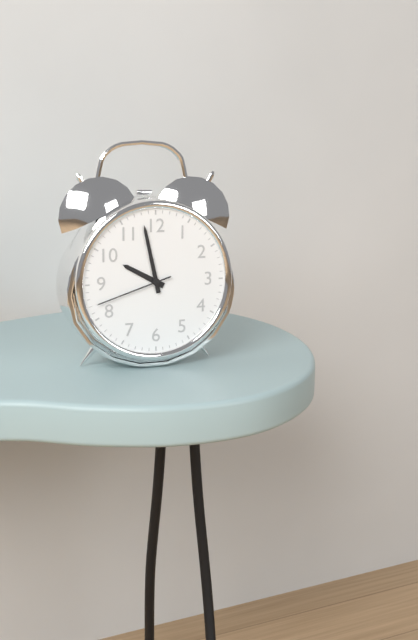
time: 9:58:42
